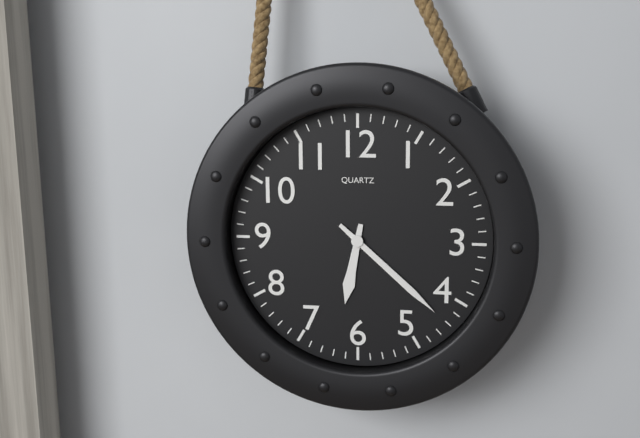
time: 6:22
